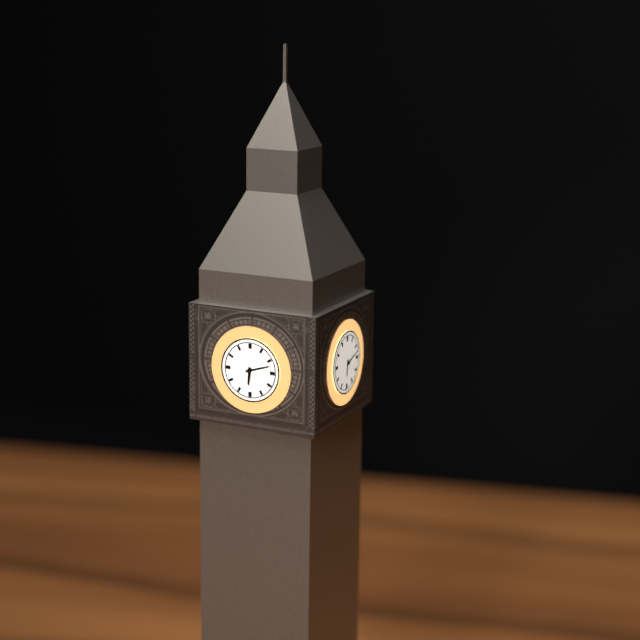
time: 6:12
